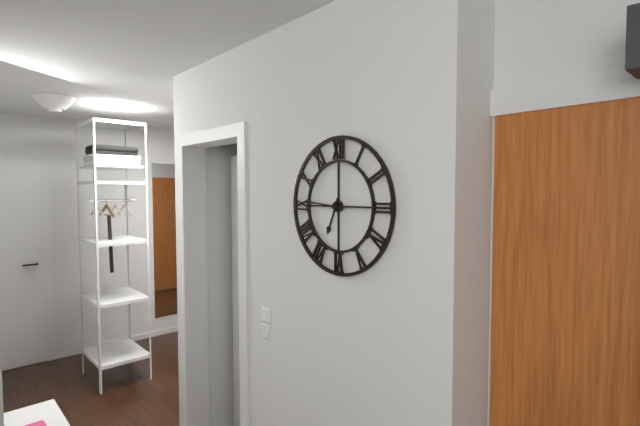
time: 6:46
